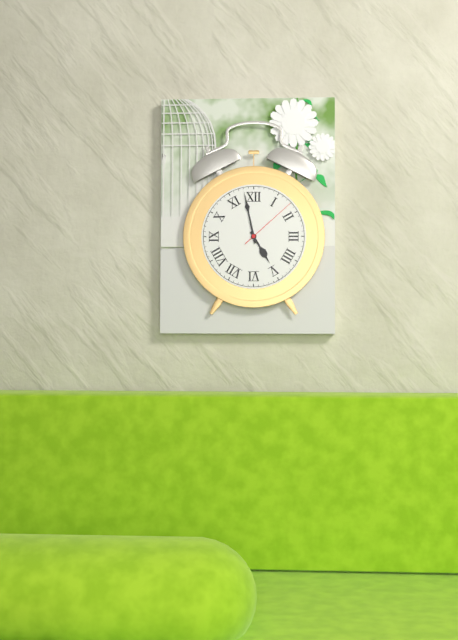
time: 4:58:08
